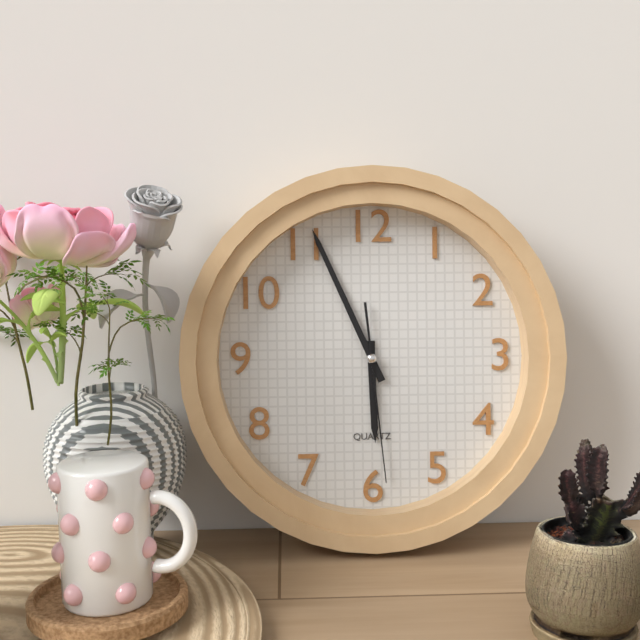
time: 5:56:29
